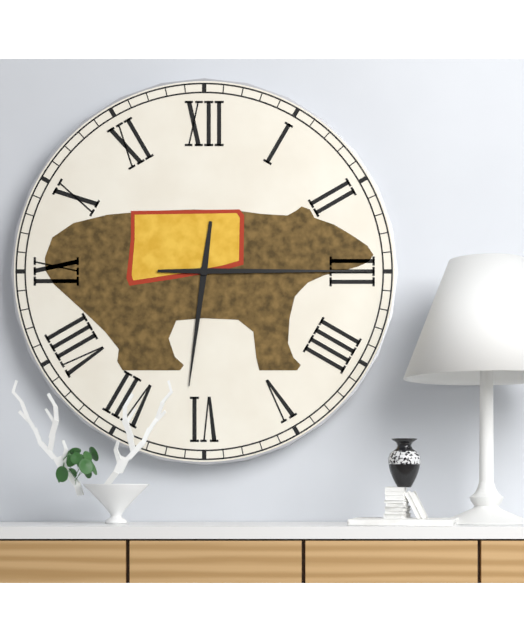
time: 6:15
